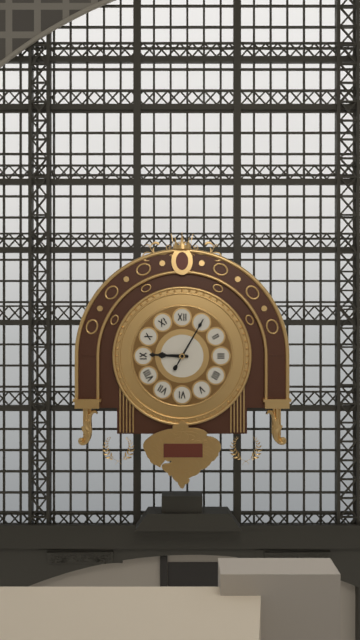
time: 9:05
